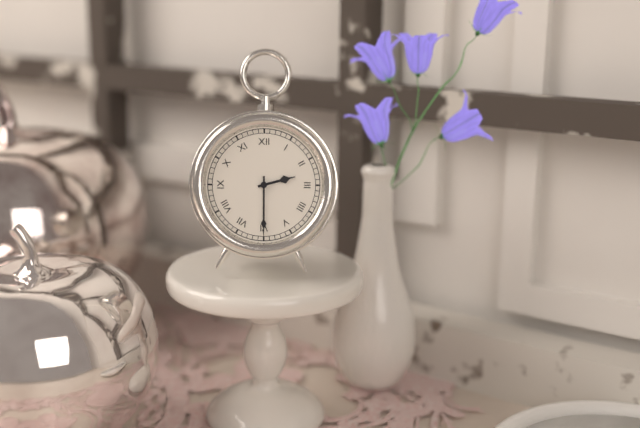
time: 2:30
